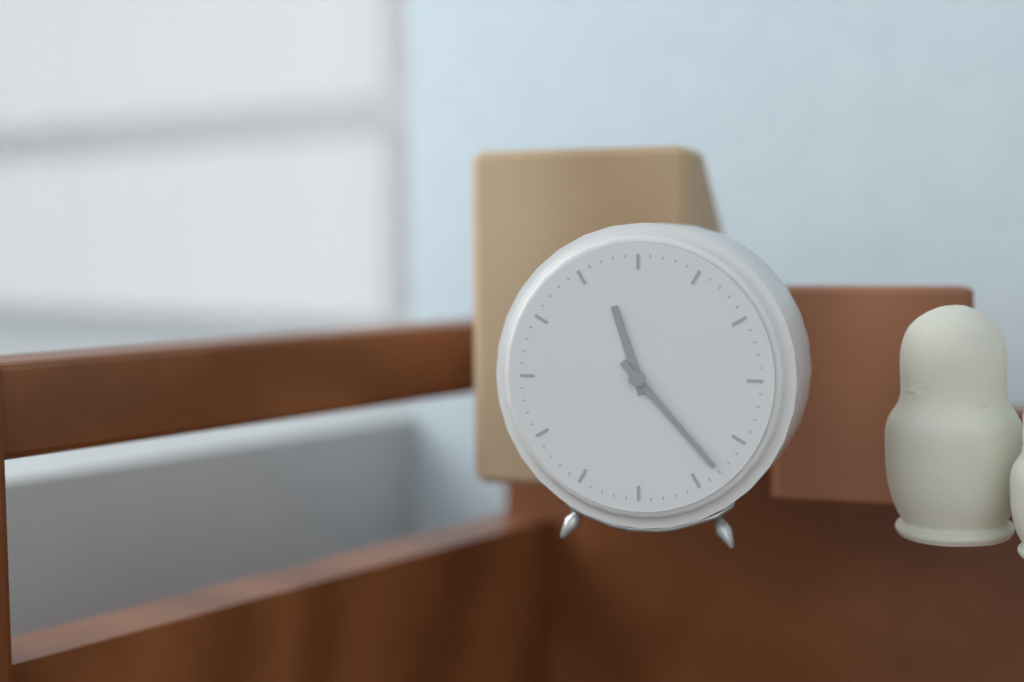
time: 11:23
